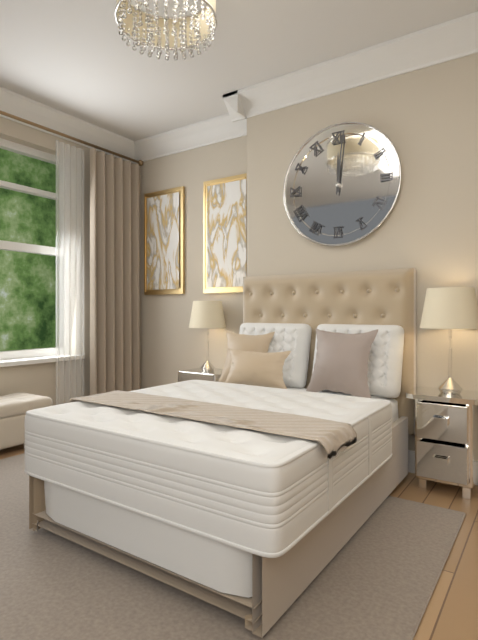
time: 12:01
